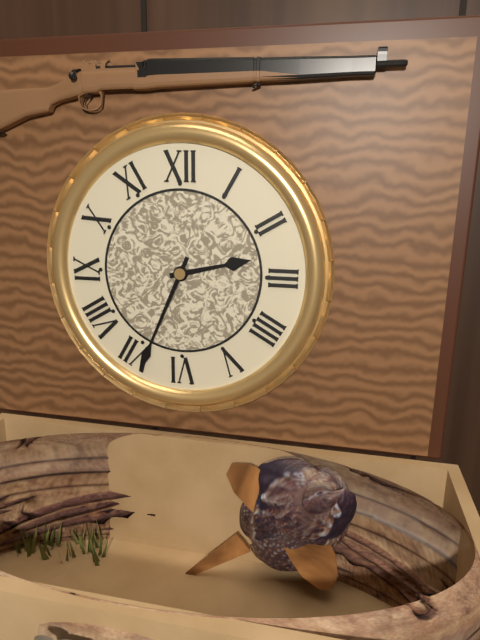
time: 2:34
